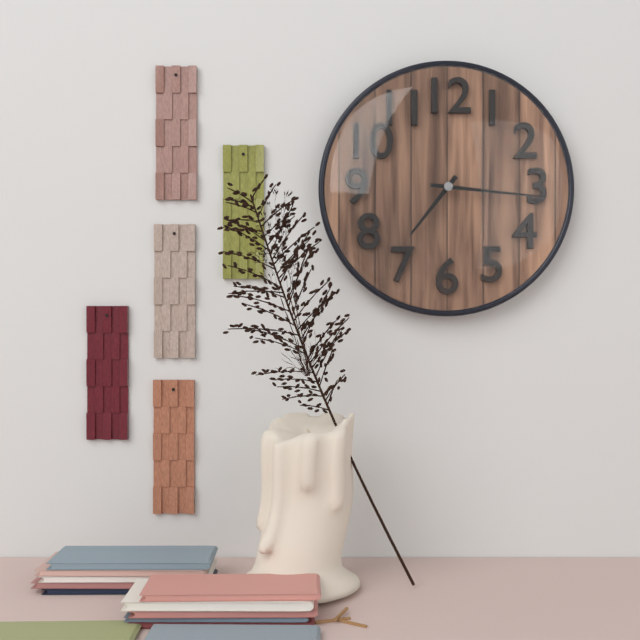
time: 7:16
